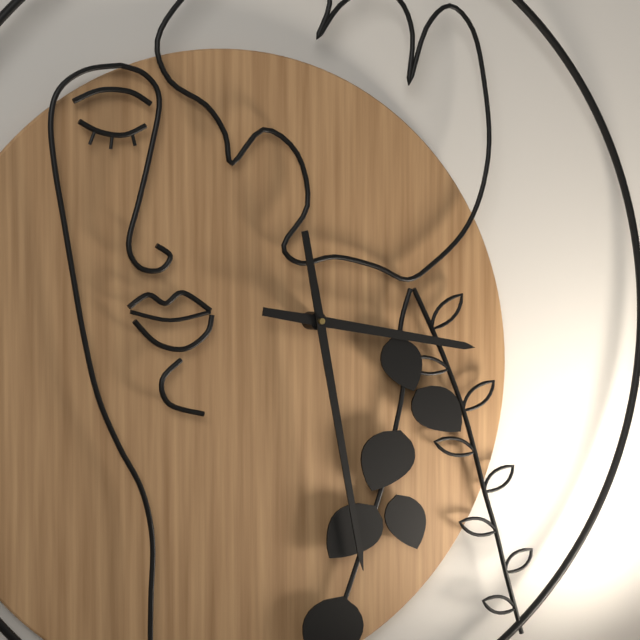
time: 3:29
